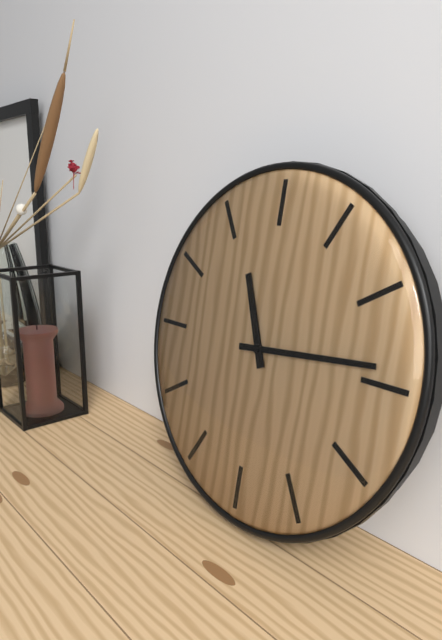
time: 11:14
